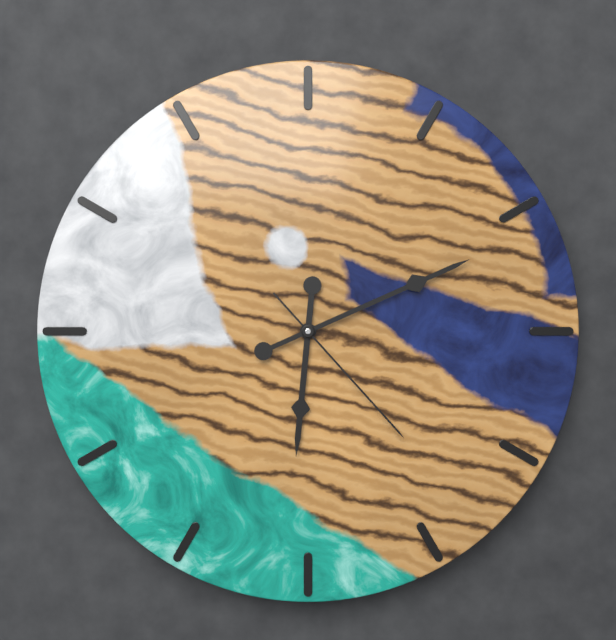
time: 6:11:23
